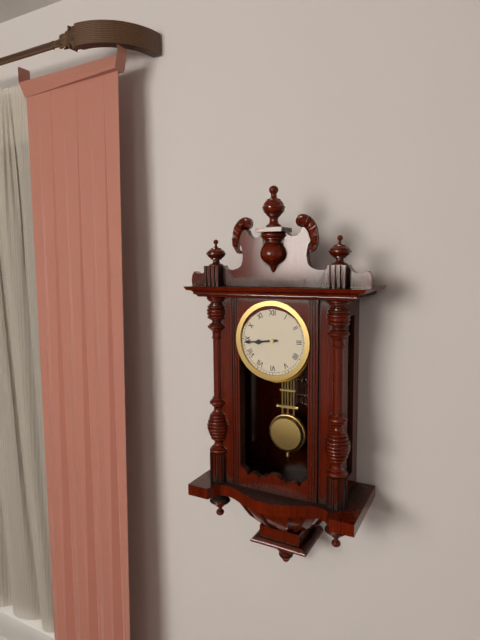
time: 8:44
